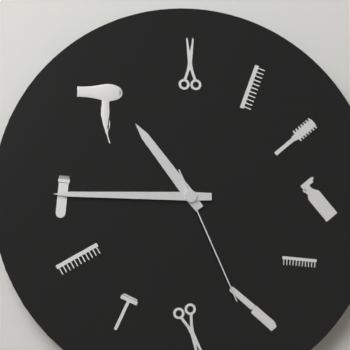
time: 10:45:26
